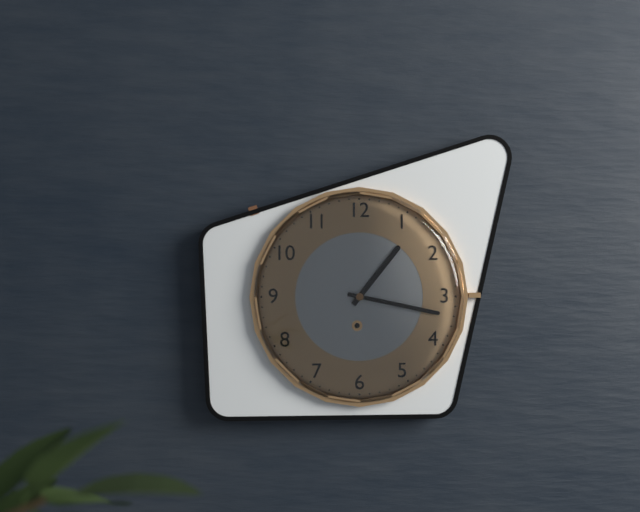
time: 1:17
